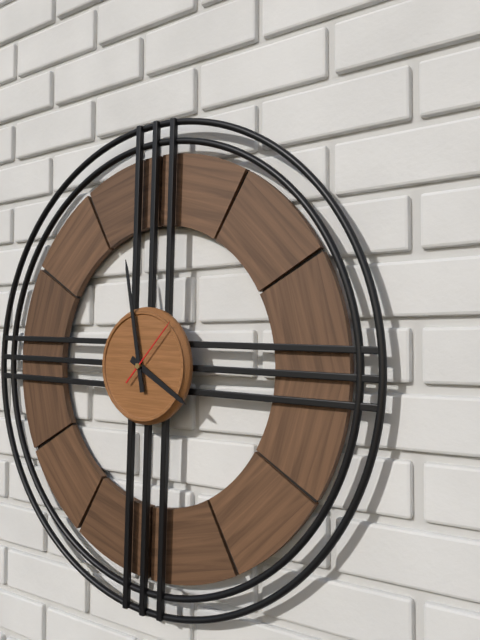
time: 3:58:07
